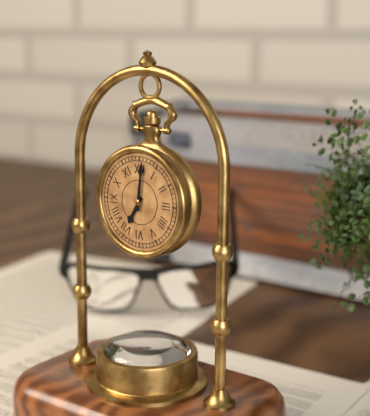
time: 7:01
